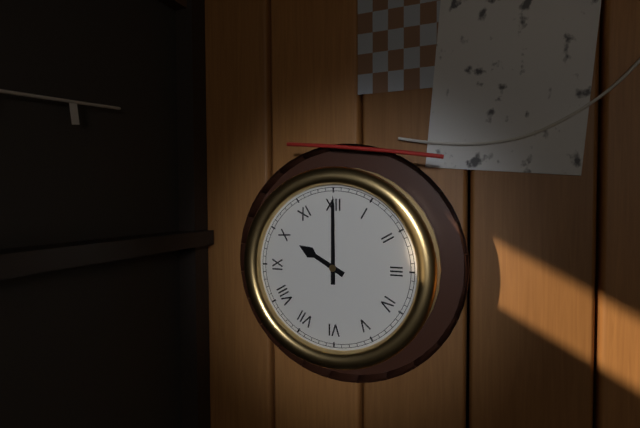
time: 10:00
